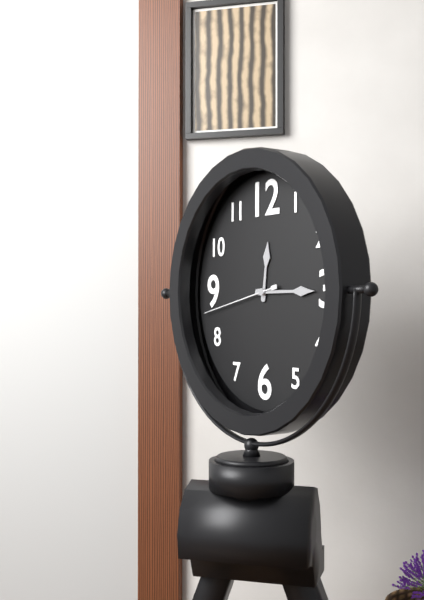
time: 12:15:43
